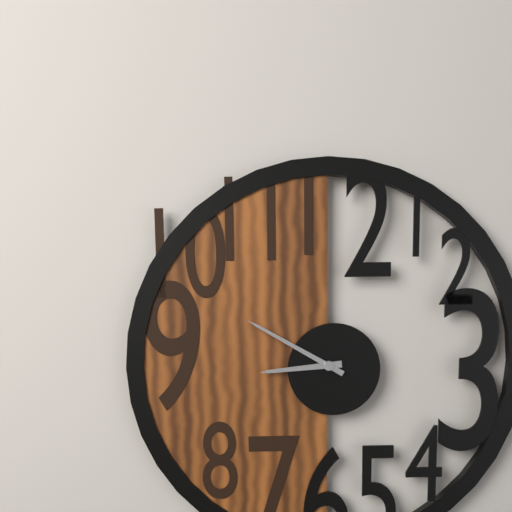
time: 8:50
